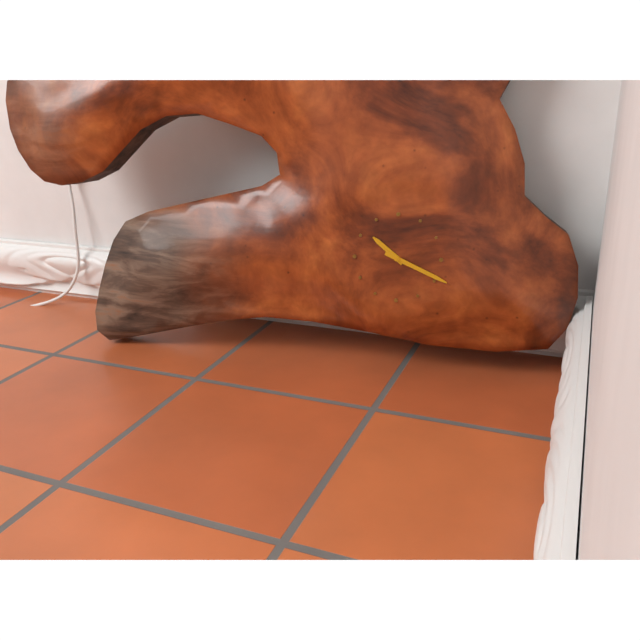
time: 10:19
